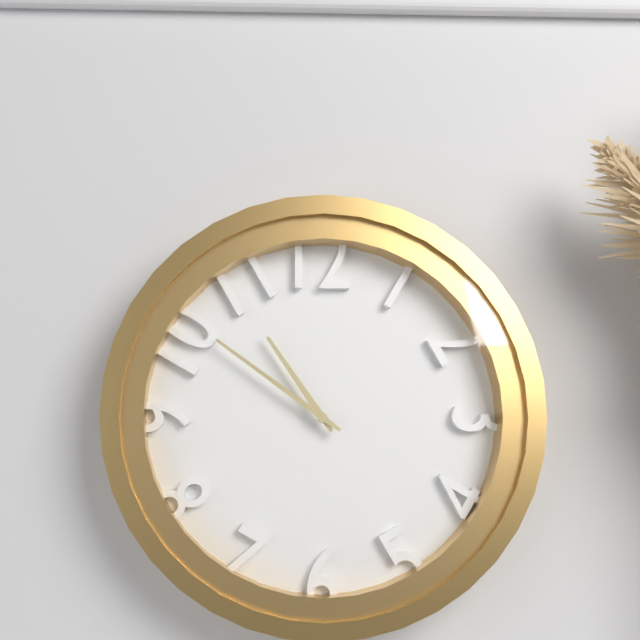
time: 10:51
